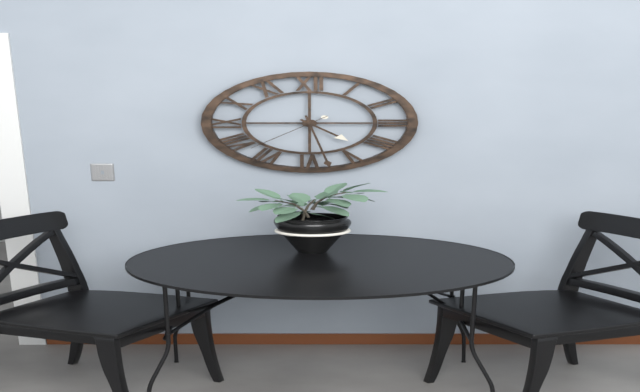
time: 4:28:38
